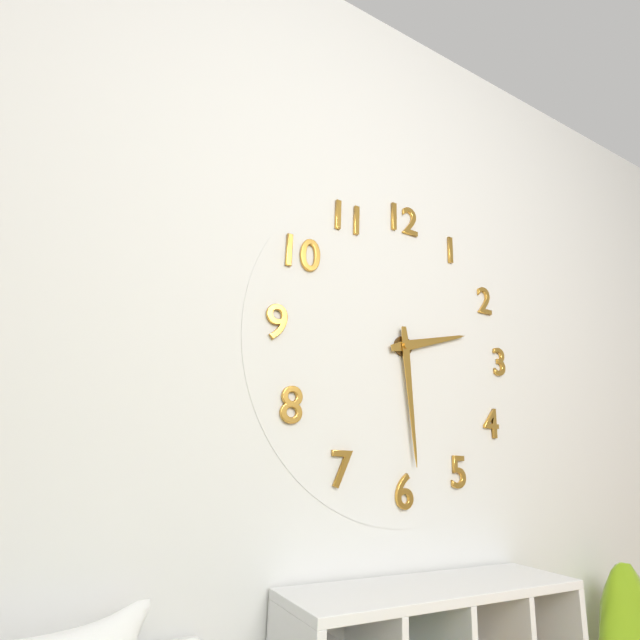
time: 2:29
